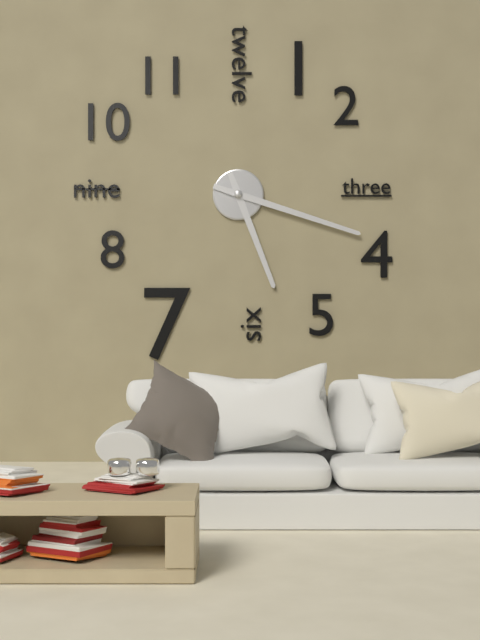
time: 5:18
